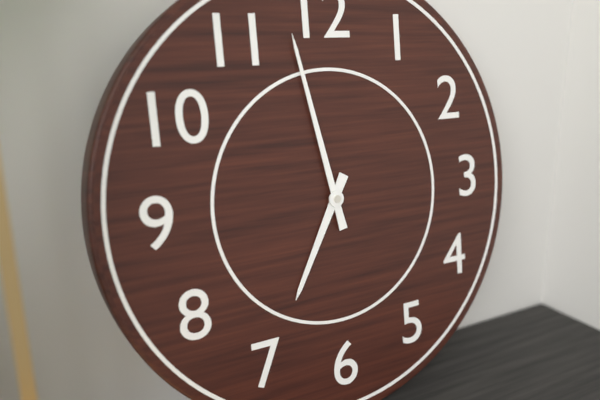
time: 6:58
